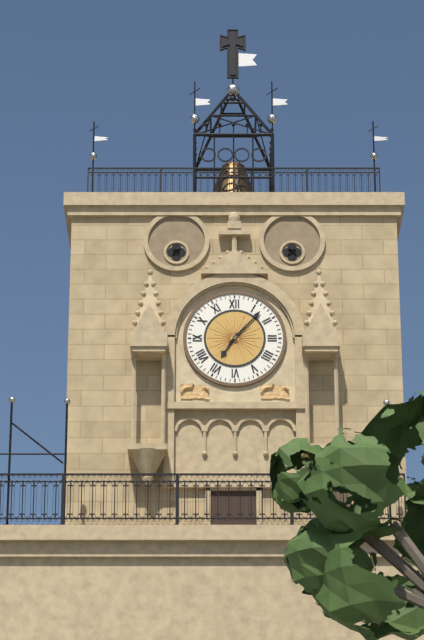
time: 7:07
